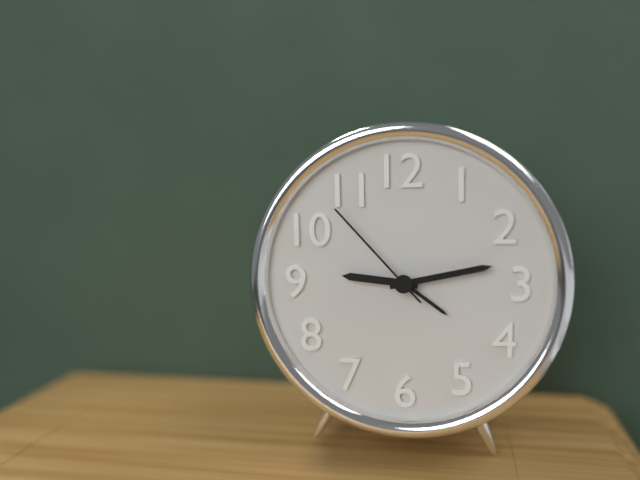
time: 9:13:53
